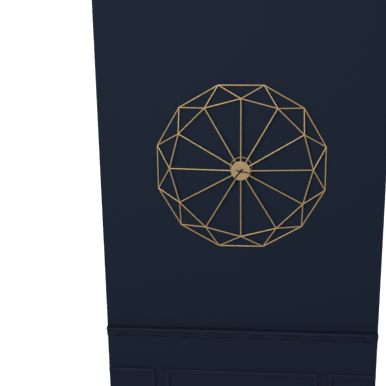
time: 7:17
